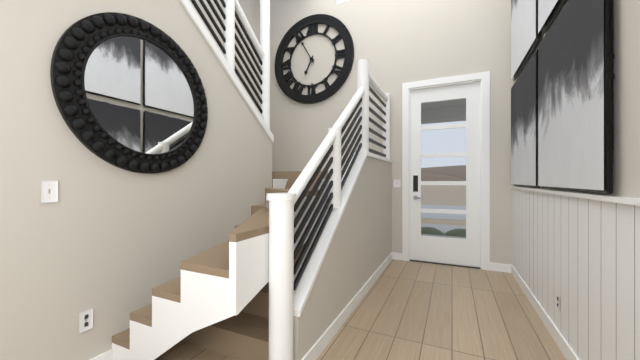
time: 6:55
